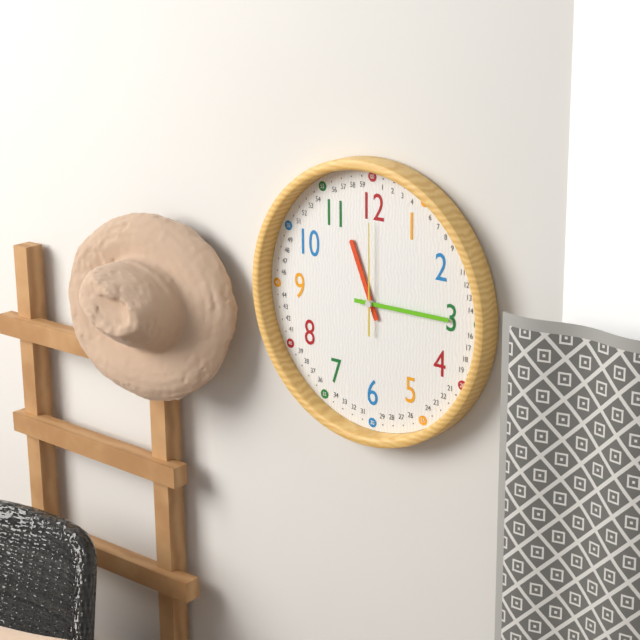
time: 11:15:00
